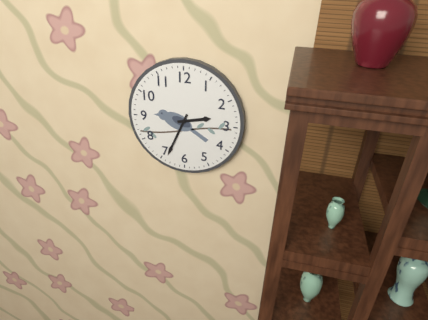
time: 2:34
